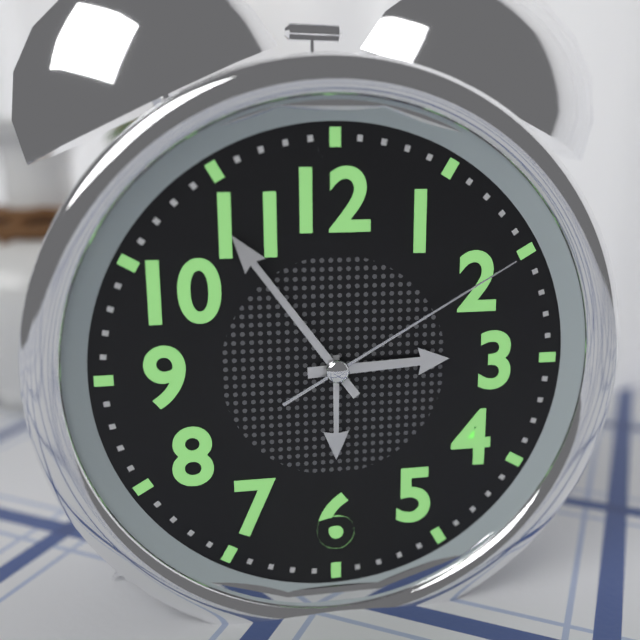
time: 2:54:10
